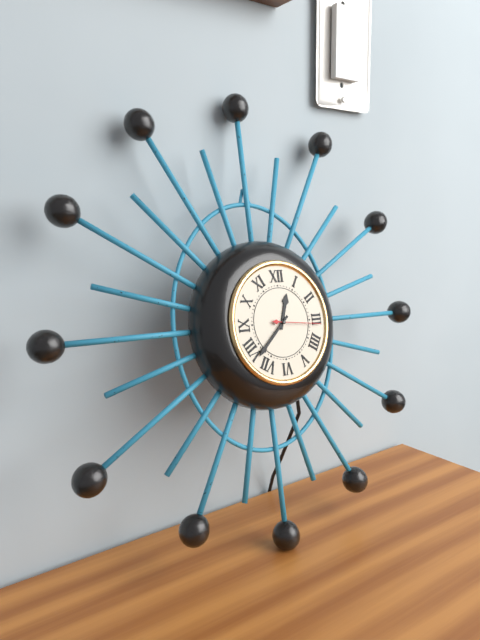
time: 12:38
